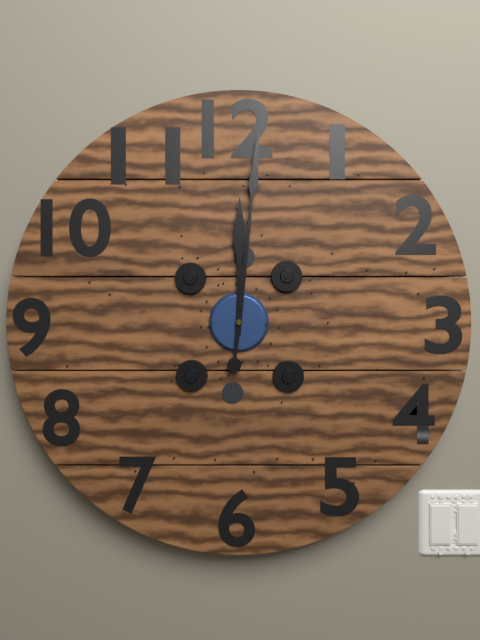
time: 12:01
